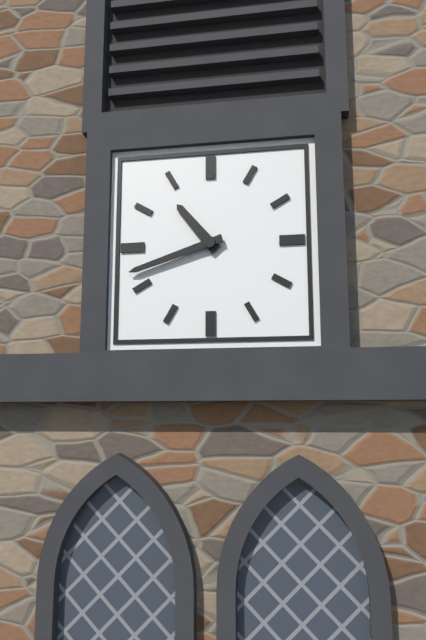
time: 10:42
